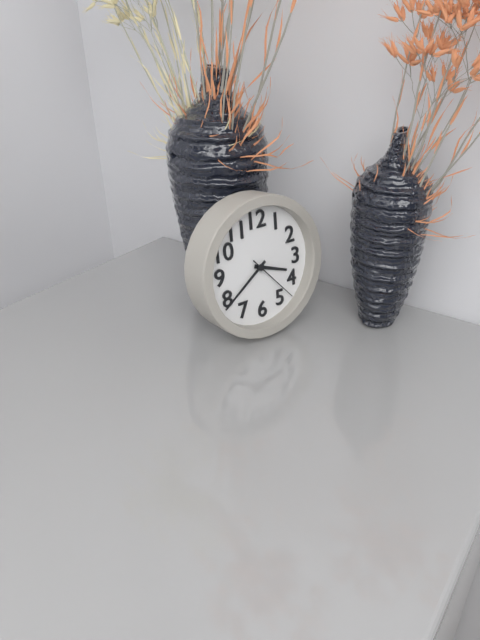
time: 3:39:23
